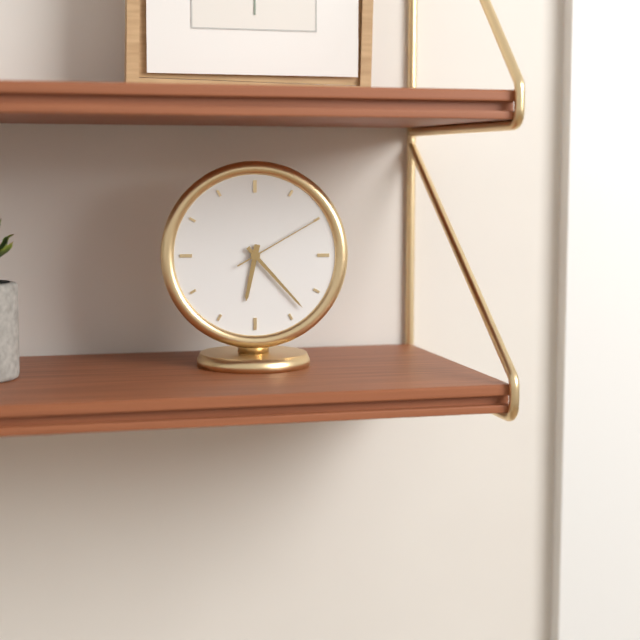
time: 6:23:10
